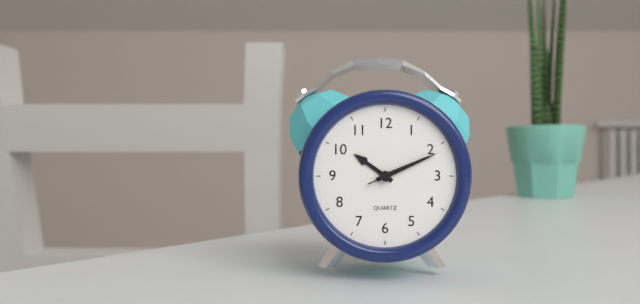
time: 10:11:11
